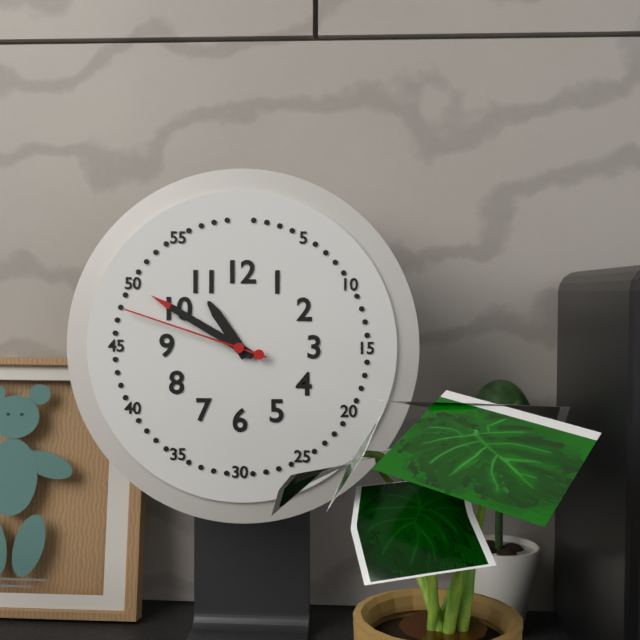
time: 10:50:48
